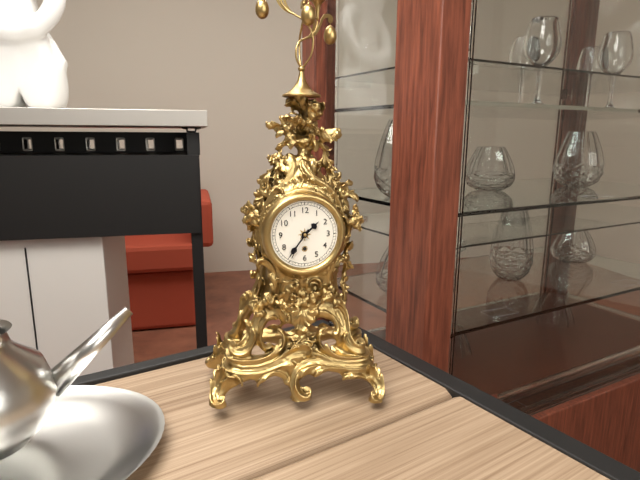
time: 1:36
